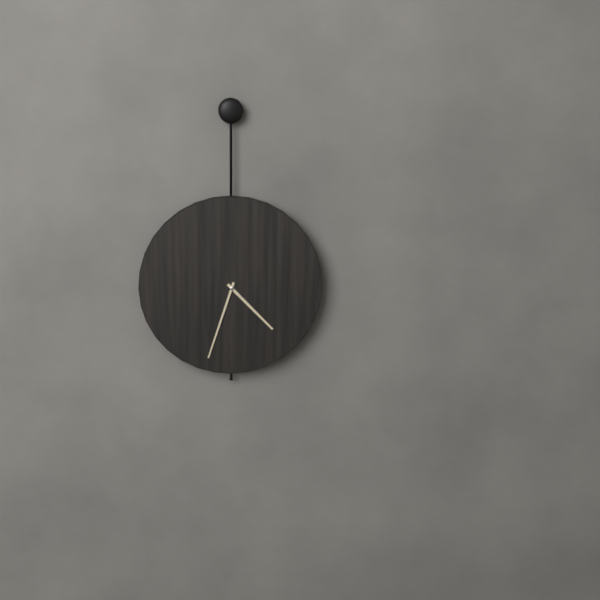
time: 4:33
